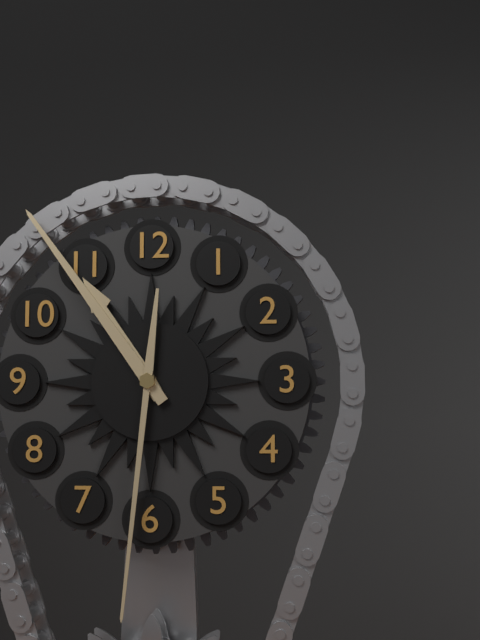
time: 10:54:31
